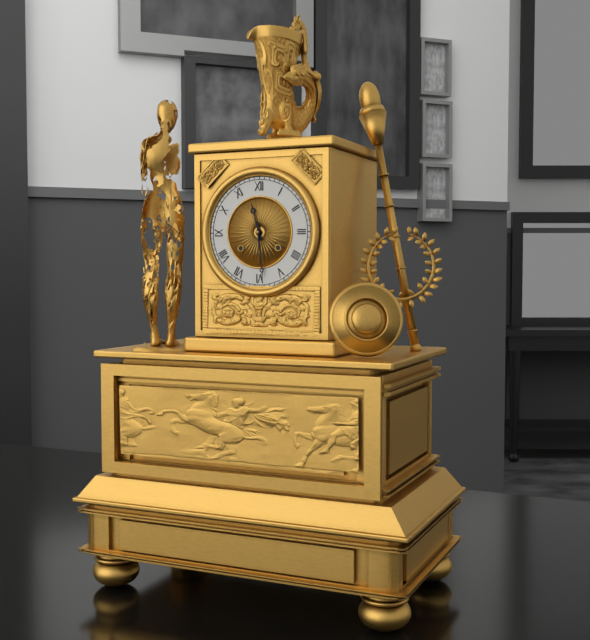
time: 11:29
